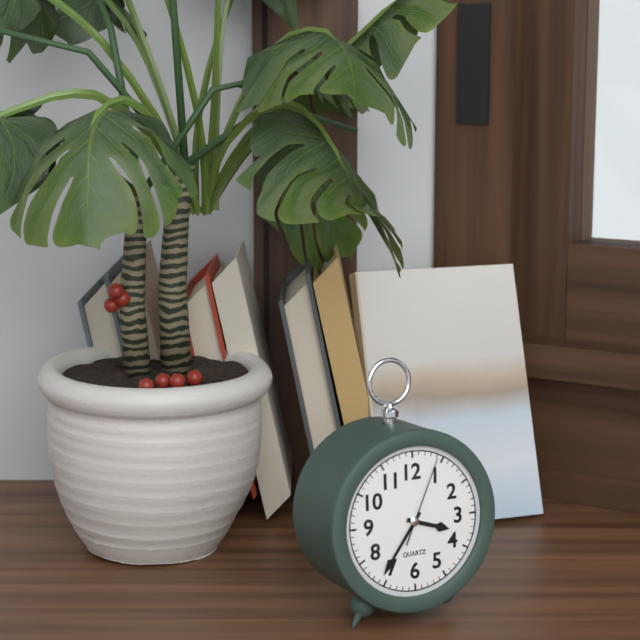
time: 3:36:04
